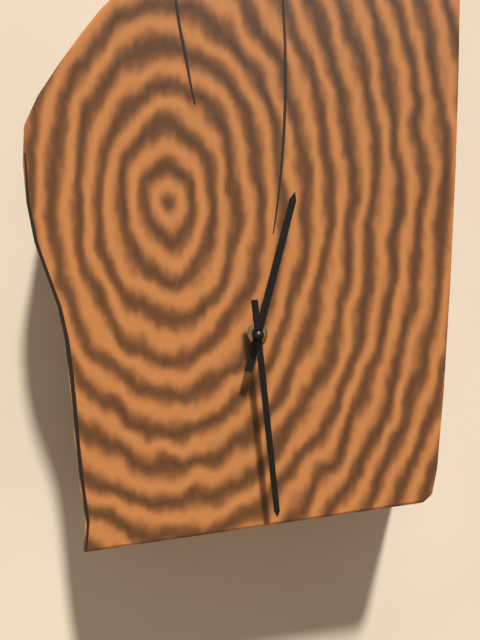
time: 12:29
